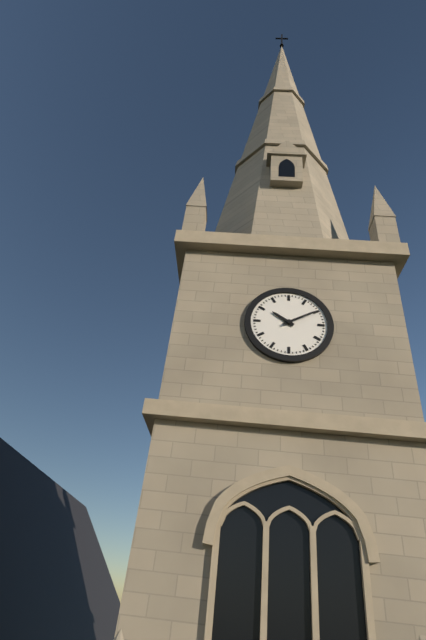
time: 10:10
